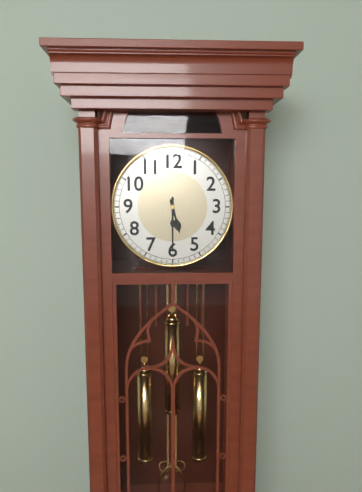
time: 5:30
